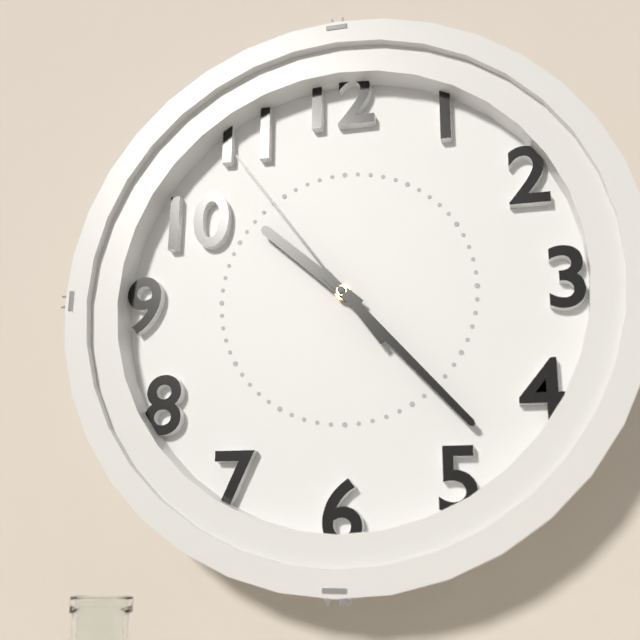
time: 10:23:54
